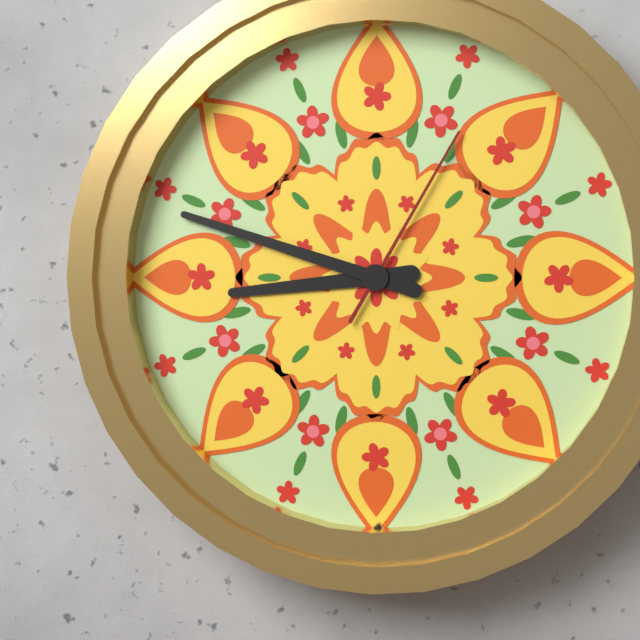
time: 8:48:05
